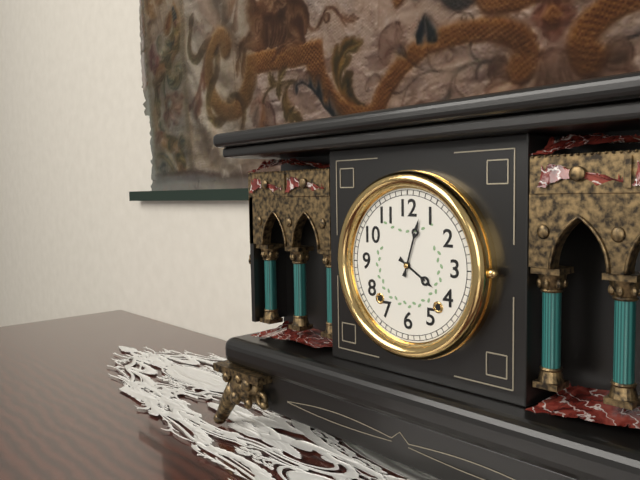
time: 4:03
